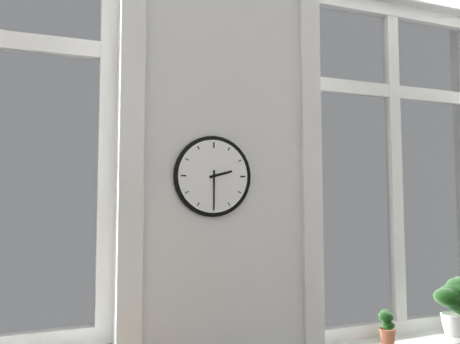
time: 2:30
